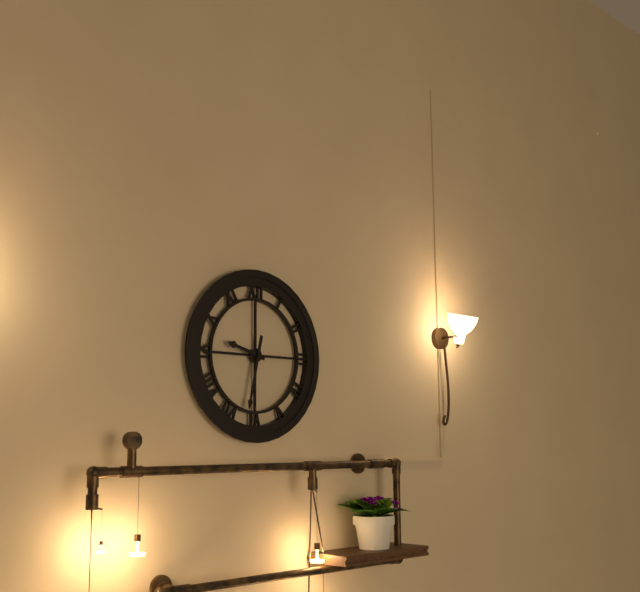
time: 9:32
